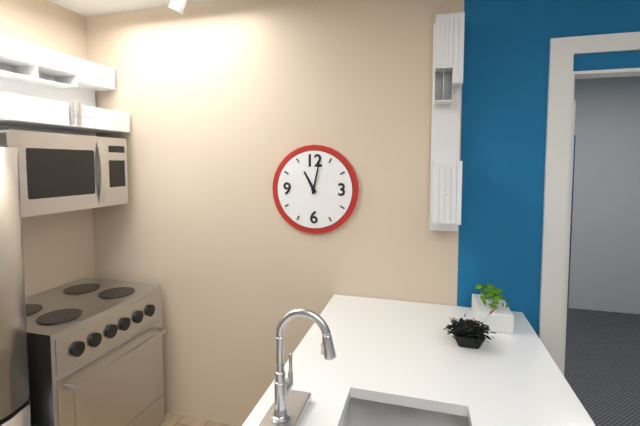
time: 11:02
